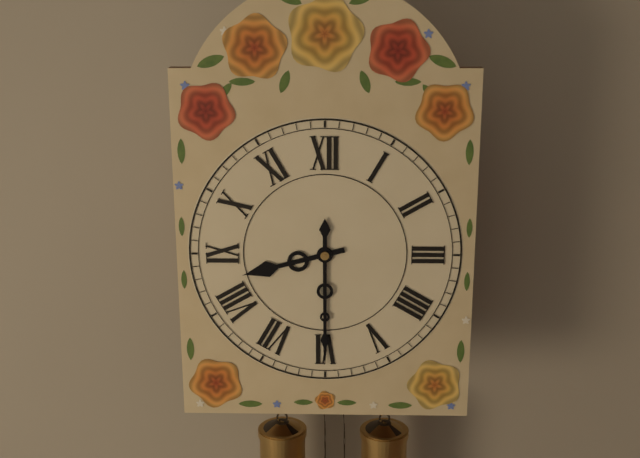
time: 8:30
